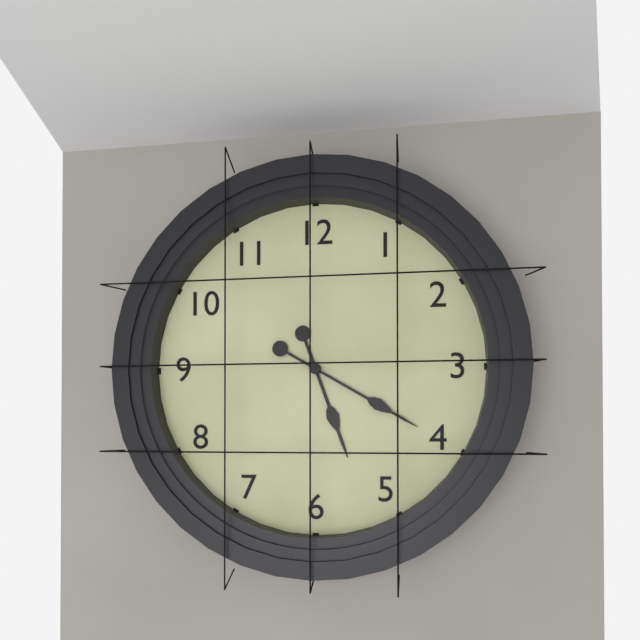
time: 5:20
